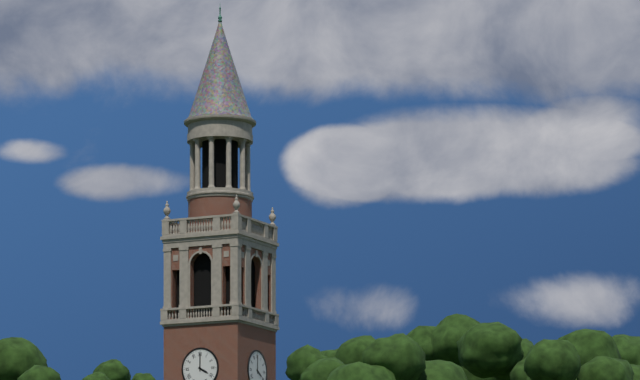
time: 4:00
